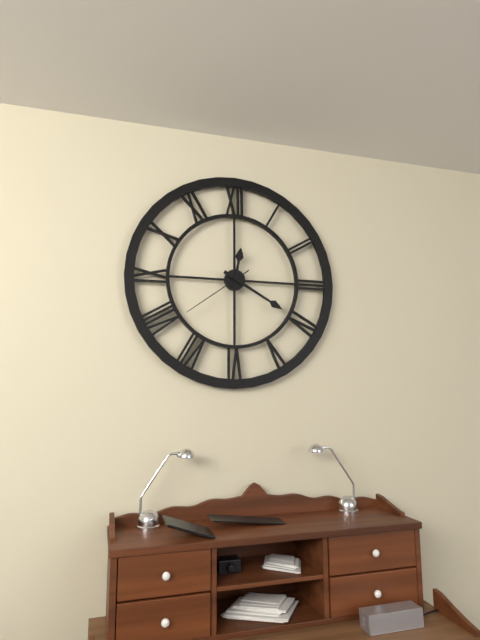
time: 12:20:39
